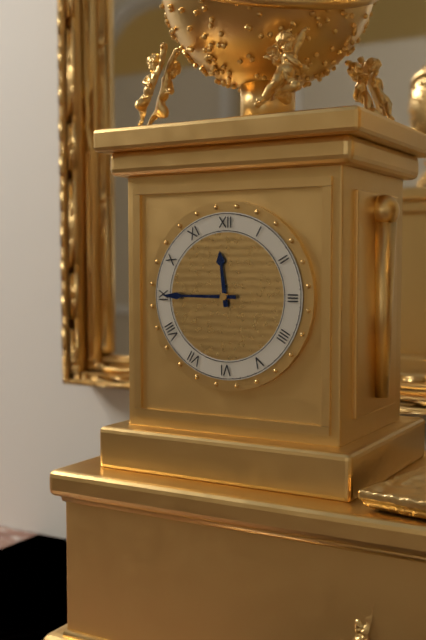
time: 11:45
